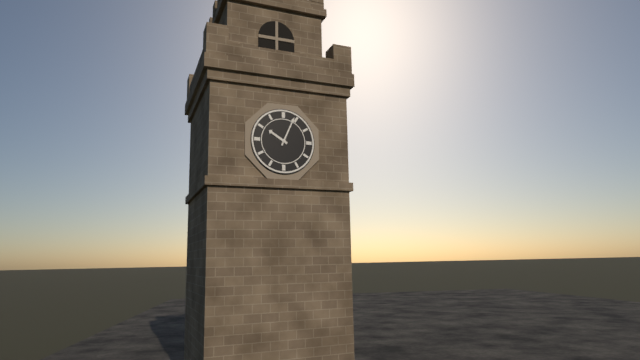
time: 10:04
